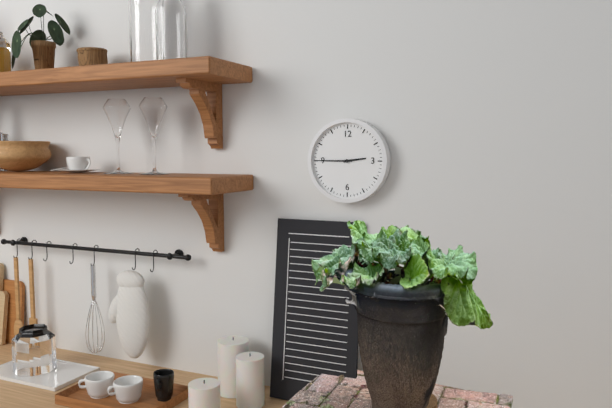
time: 2:45
